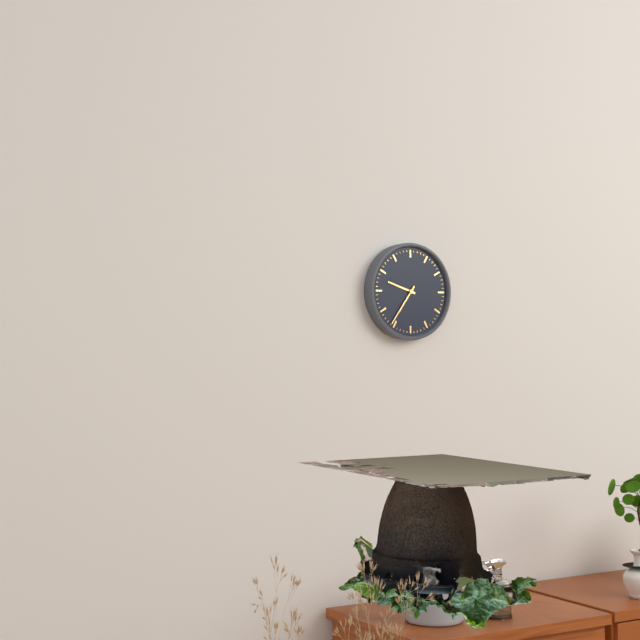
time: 9:36
